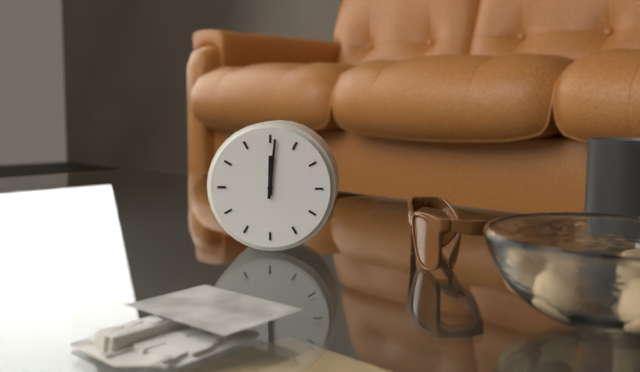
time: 12:01
